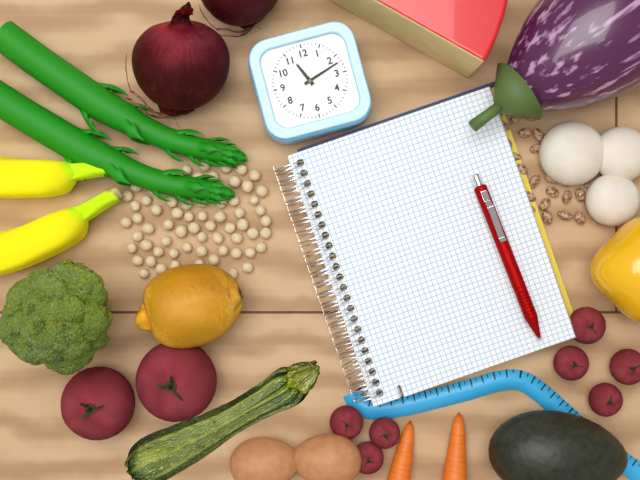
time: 11:12
